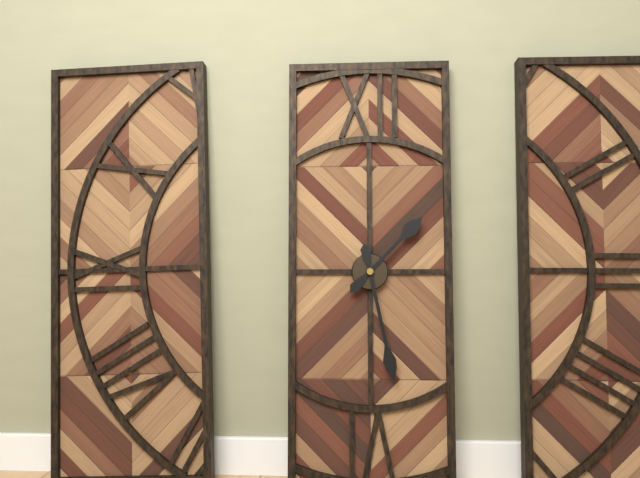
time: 1:28
